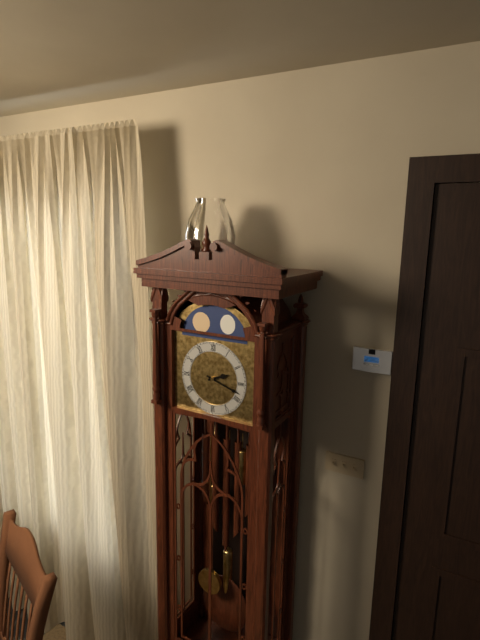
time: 2:18
